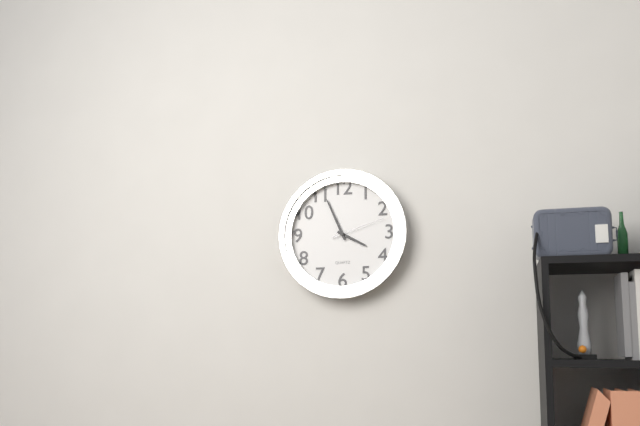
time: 3:56:12
